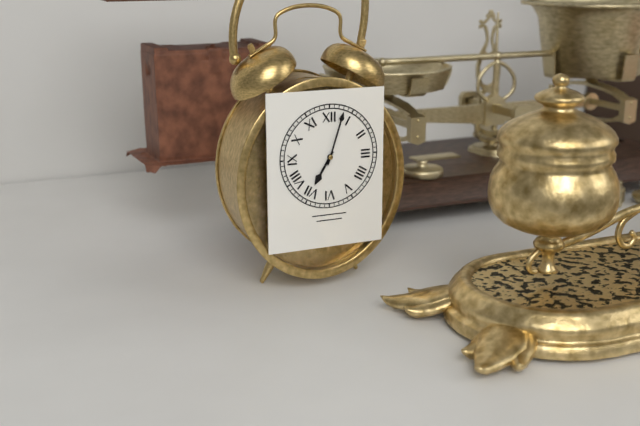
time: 7:03
